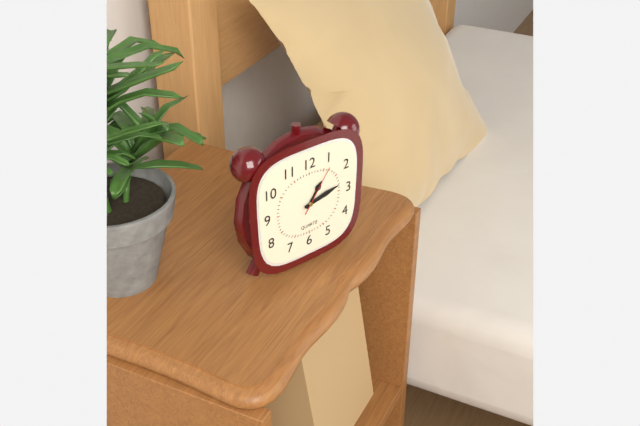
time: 1:13:06
